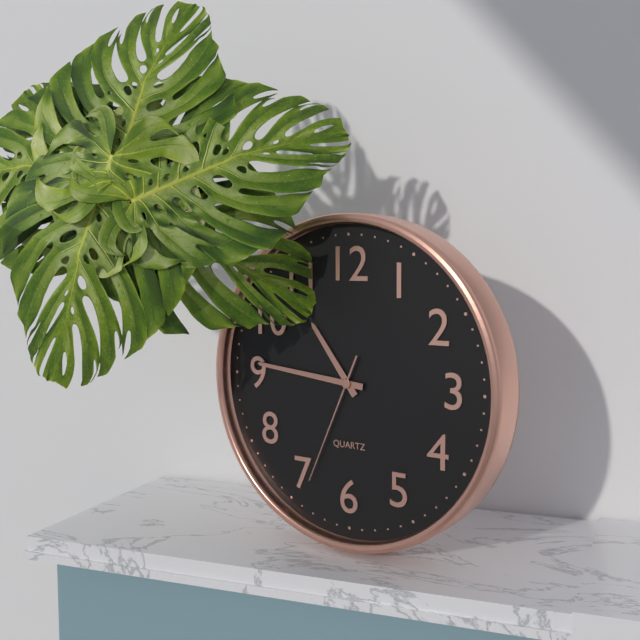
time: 10:46:34
